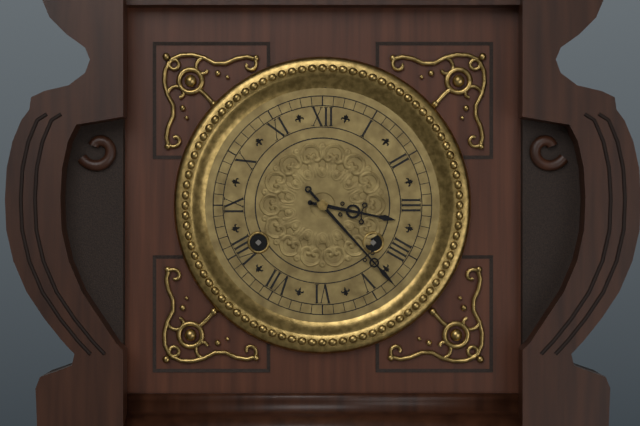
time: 3:23
